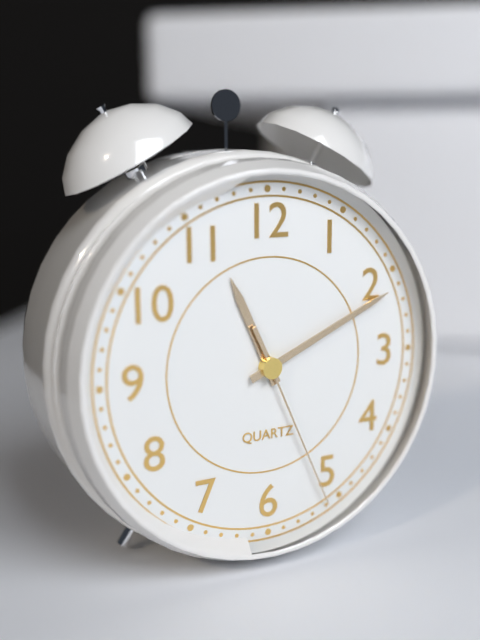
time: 11:11:26
